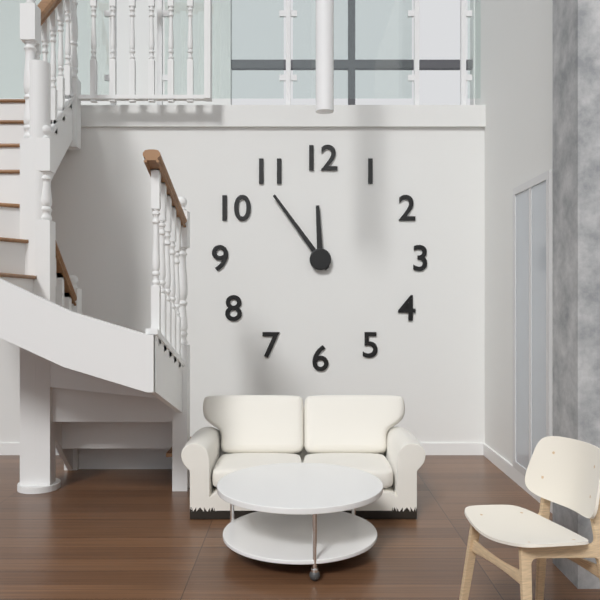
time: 11:54
